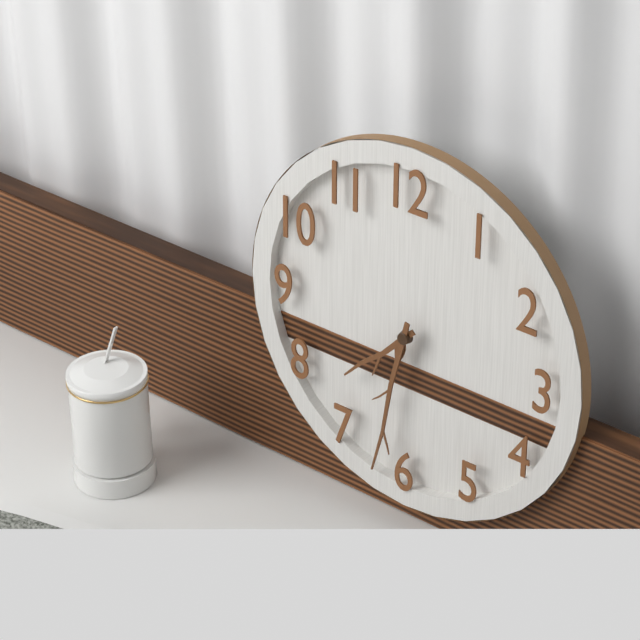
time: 7:32
